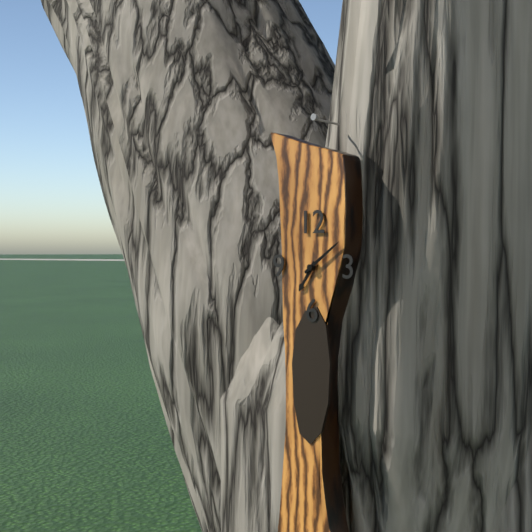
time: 7:09
